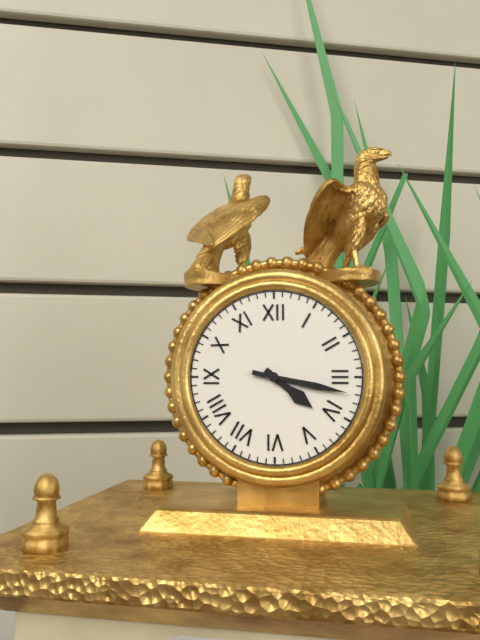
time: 4:17
